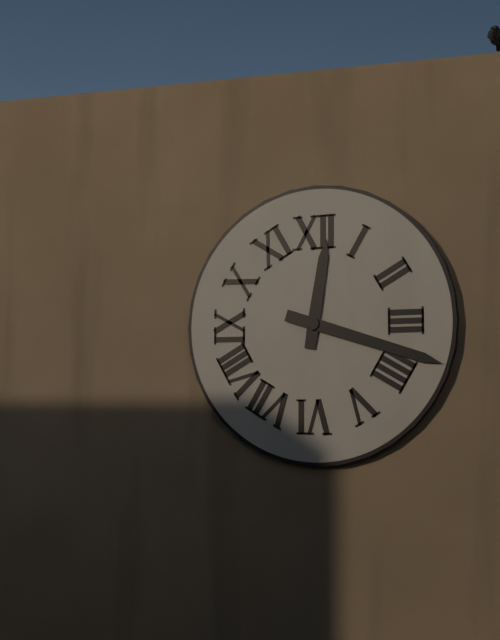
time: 12:18
